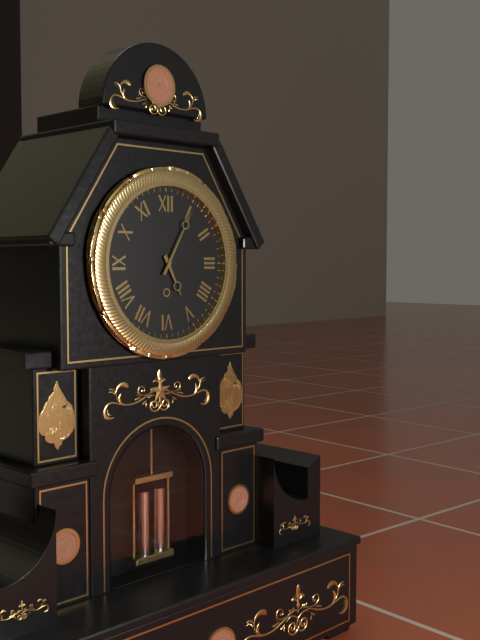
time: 5:05
